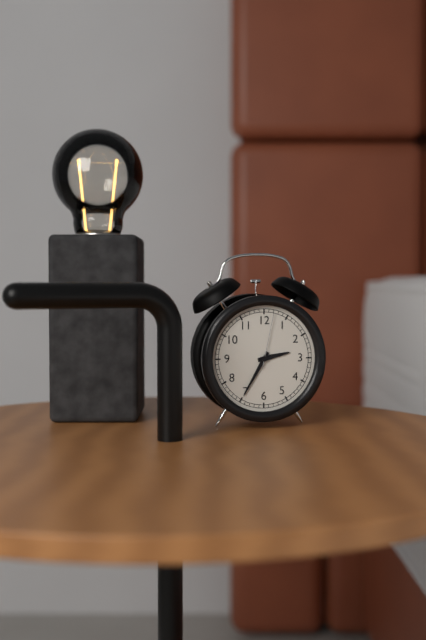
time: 2:35:02
